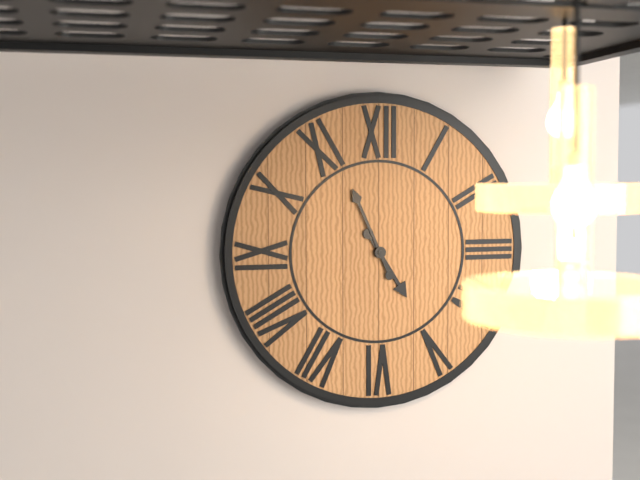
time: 4:56
